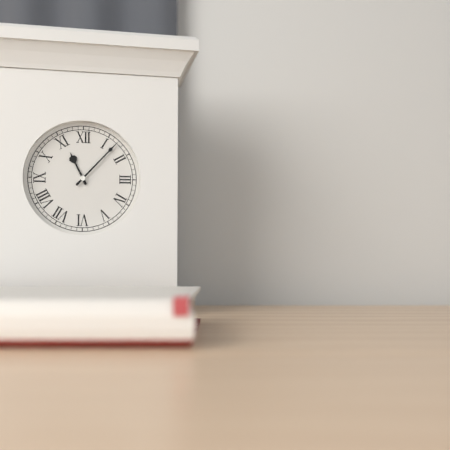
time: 11:07
